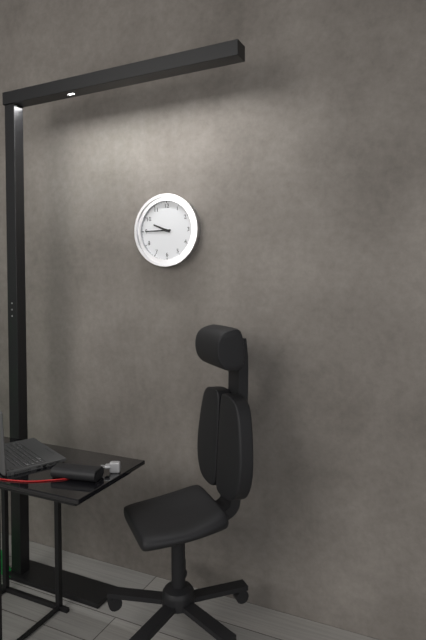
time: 9:45
